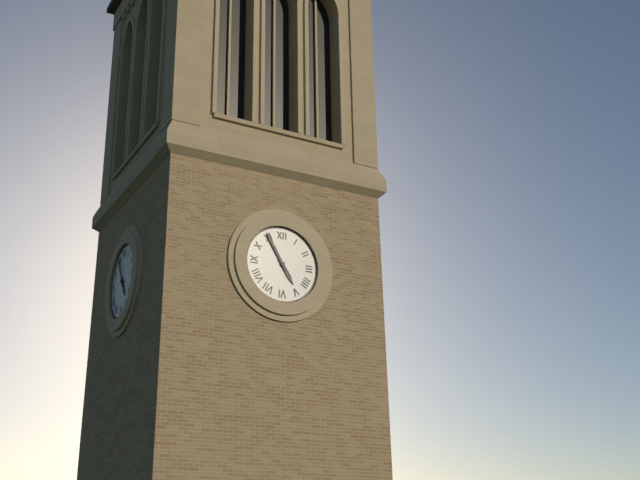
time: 4:55
